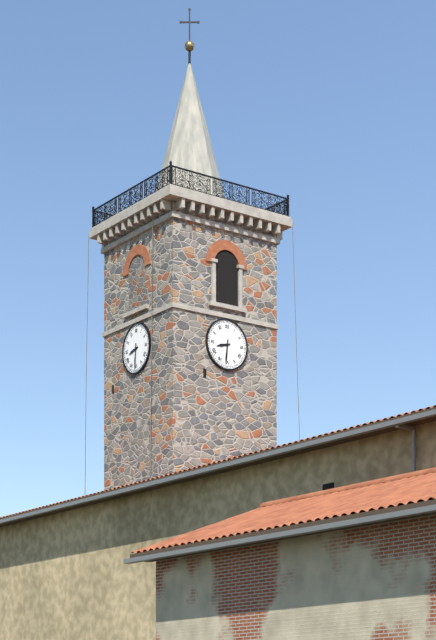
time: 8:31
